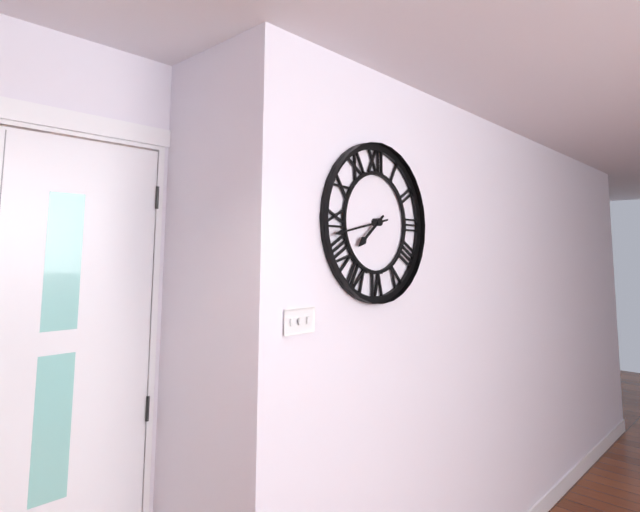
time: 7:43
